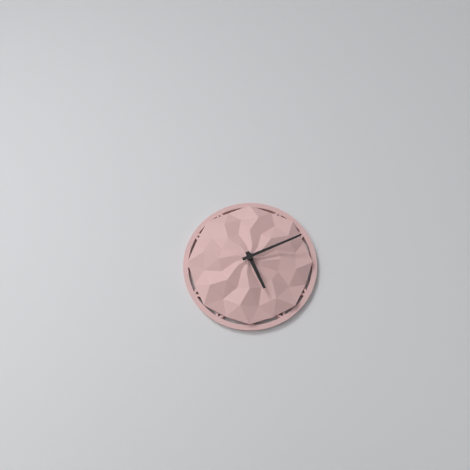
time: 5:11
